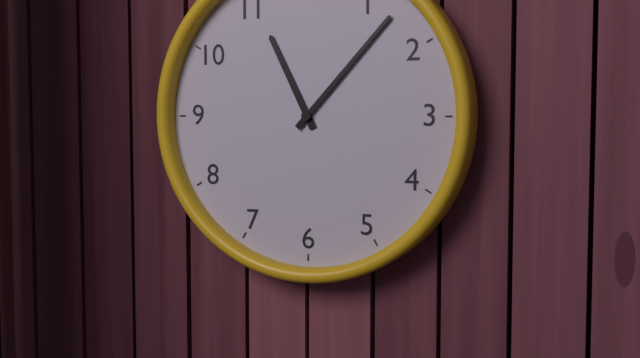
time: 11:07
